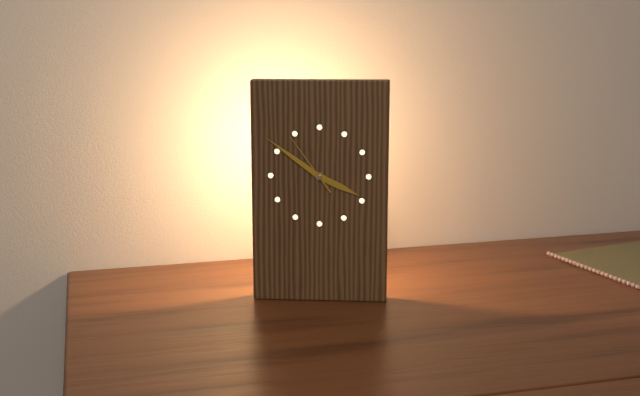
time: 3:51:54
